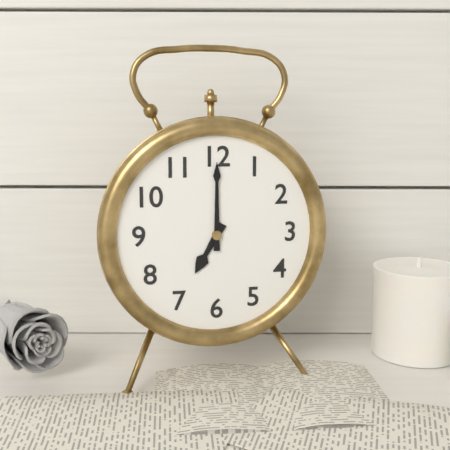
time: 7:00
